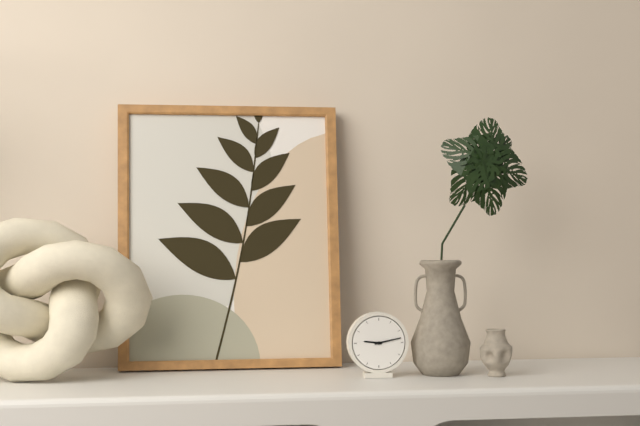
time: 9:13
